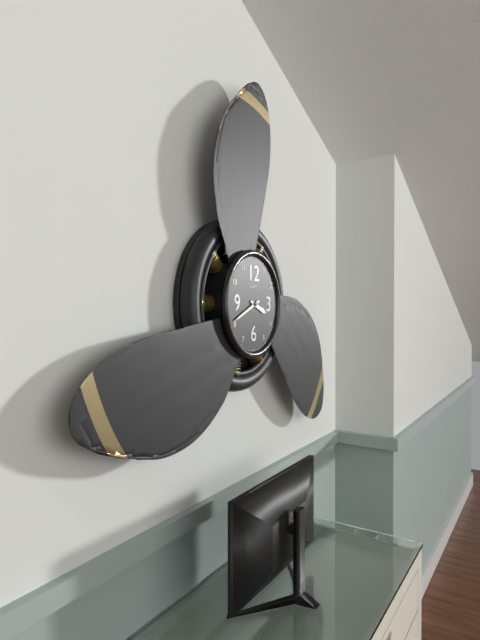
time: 3:41
